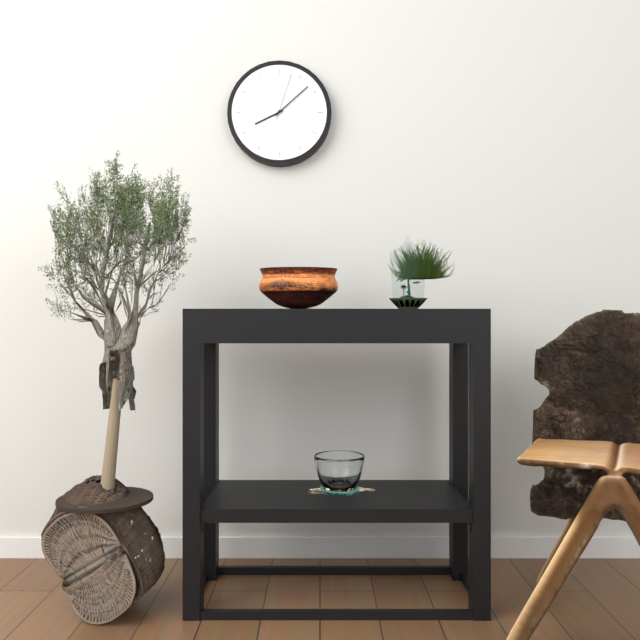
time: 8:08:03
